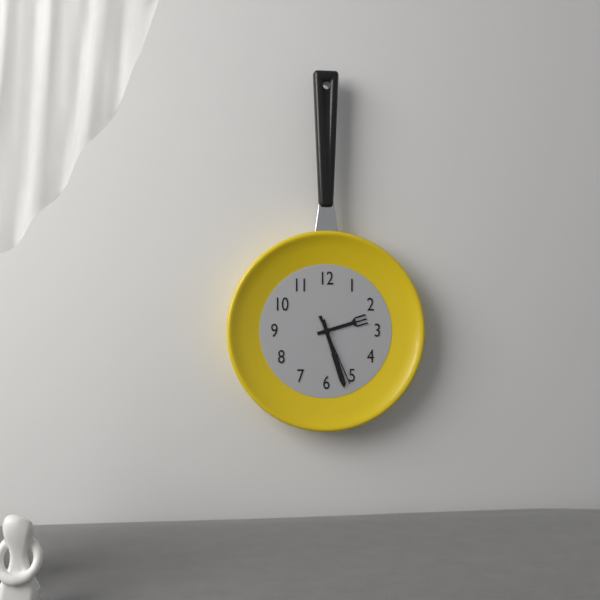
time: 2:27:26
